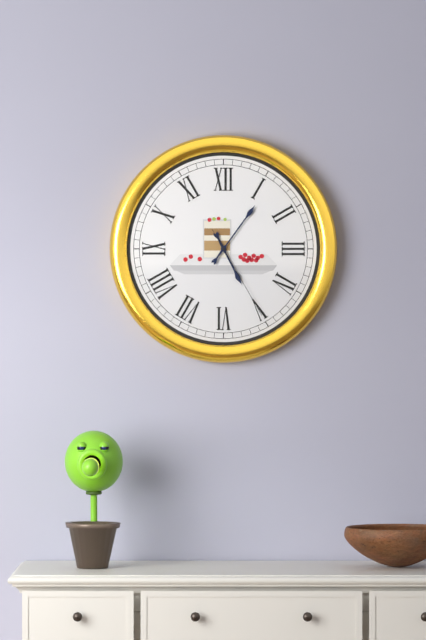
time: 5:06:25
